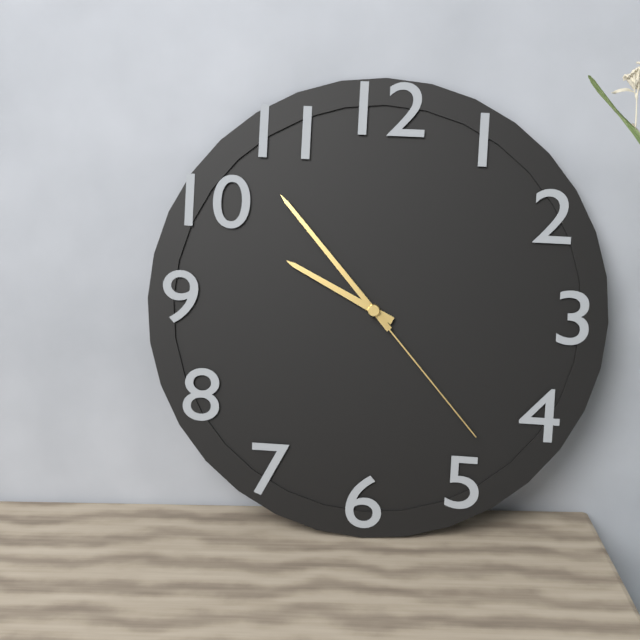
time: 9:53:23
